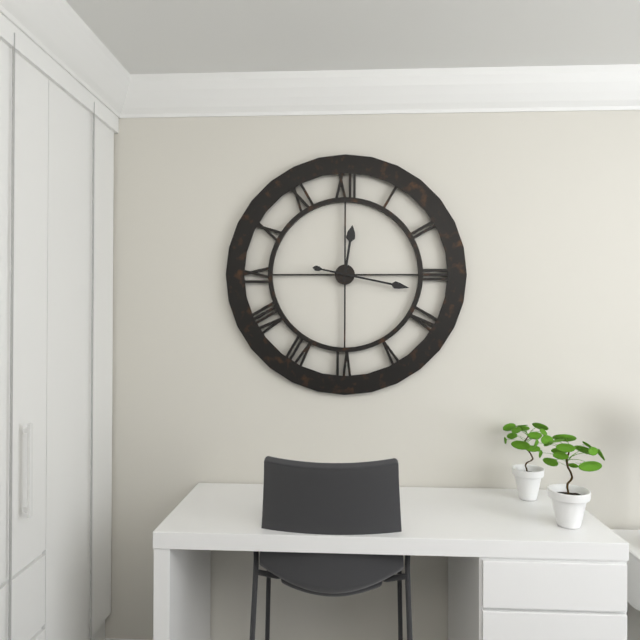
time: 12:17
